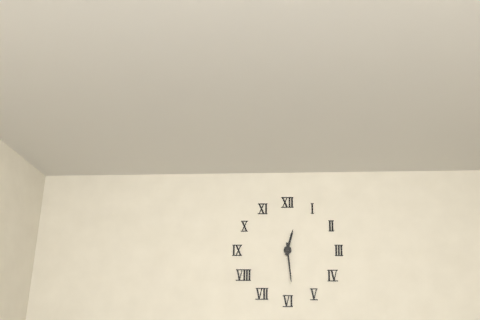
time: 12:29
